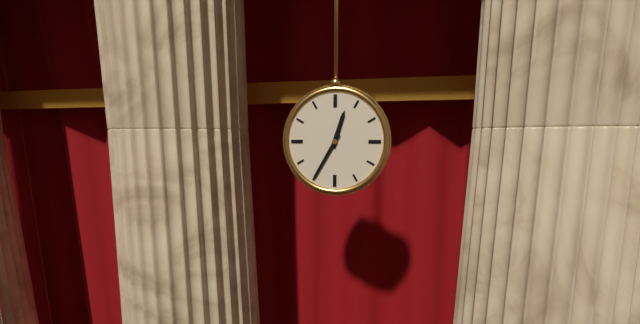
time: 12:35
